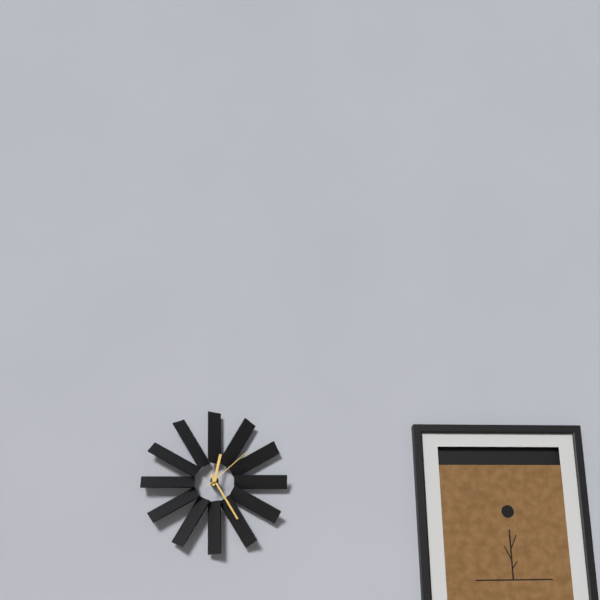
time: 12:25:08
